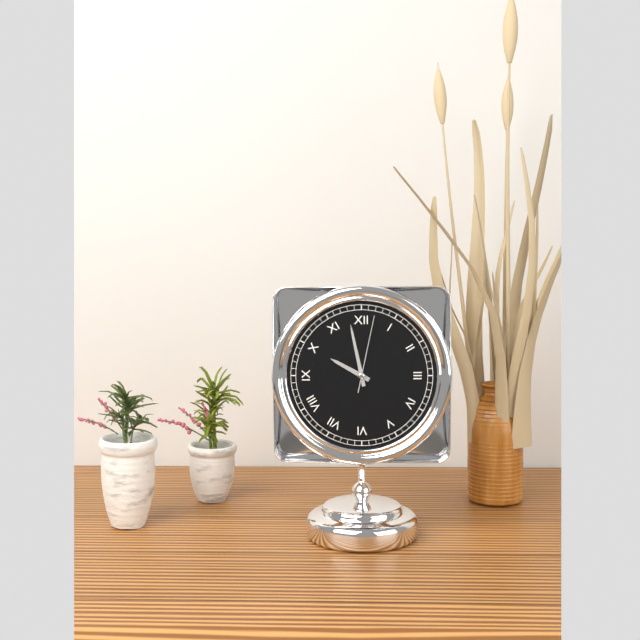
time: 9:58:02
